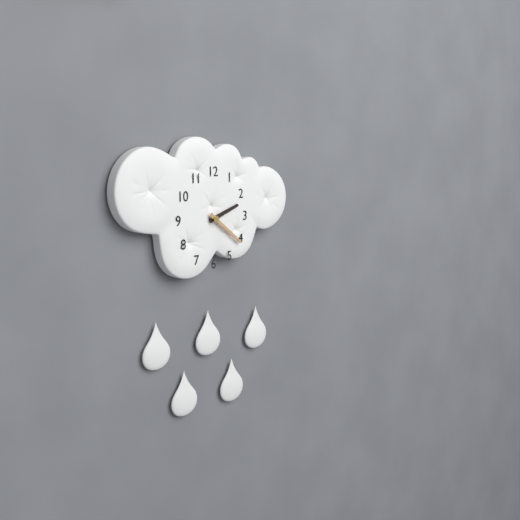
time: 2:21
